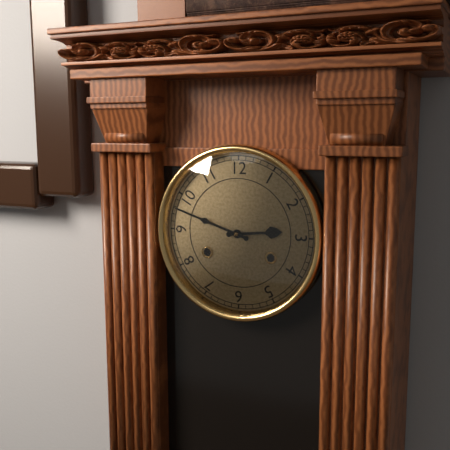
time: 2:48
